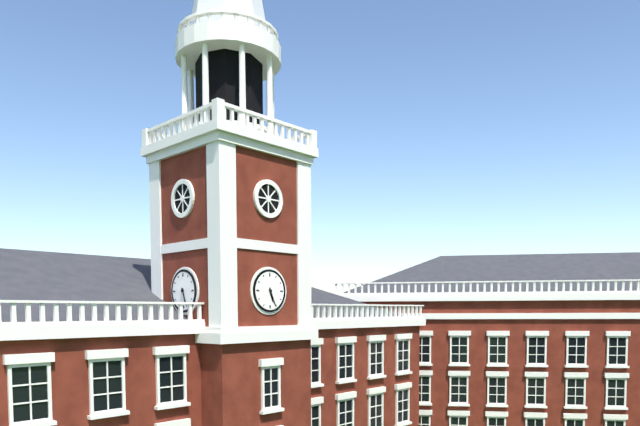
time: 5:26
